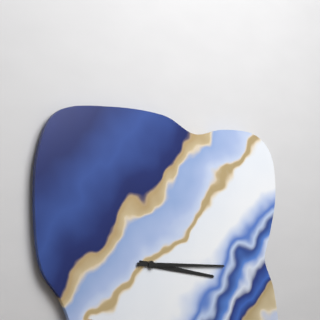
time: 3:15
